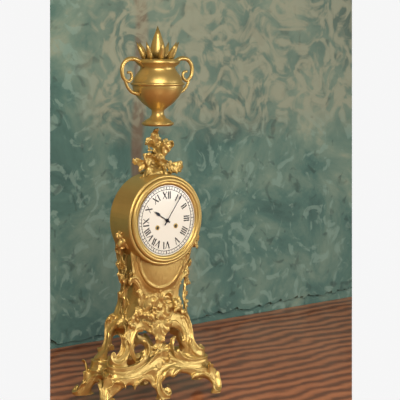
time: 10:06
